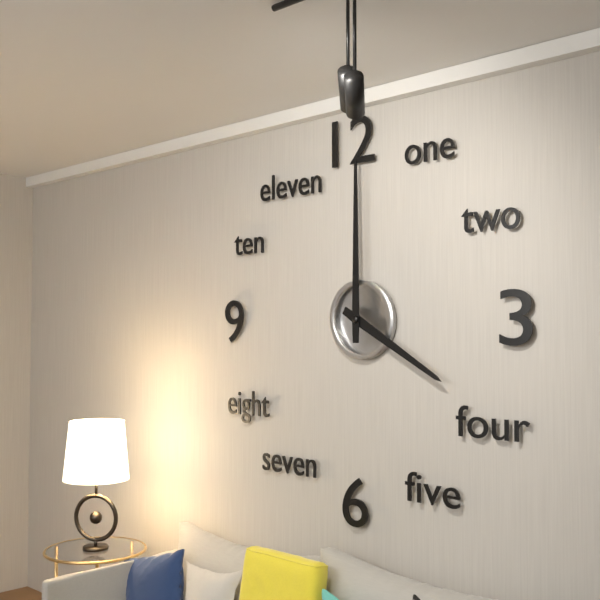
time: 4:00
